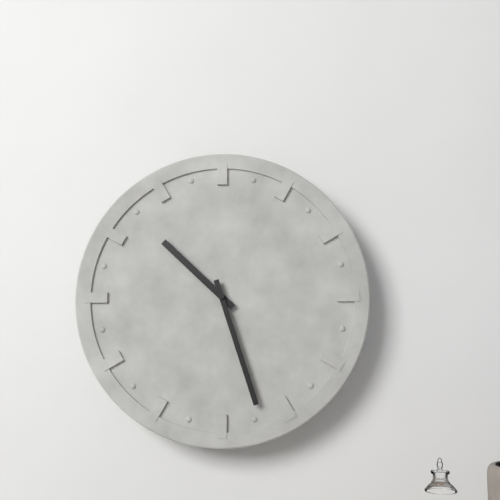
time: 10:27
